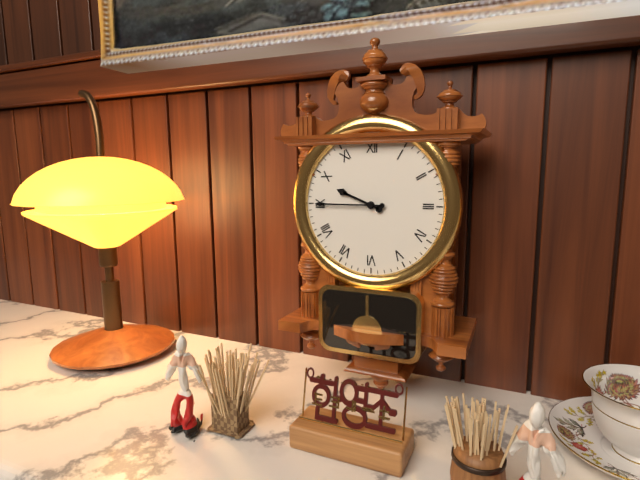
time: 9:45
